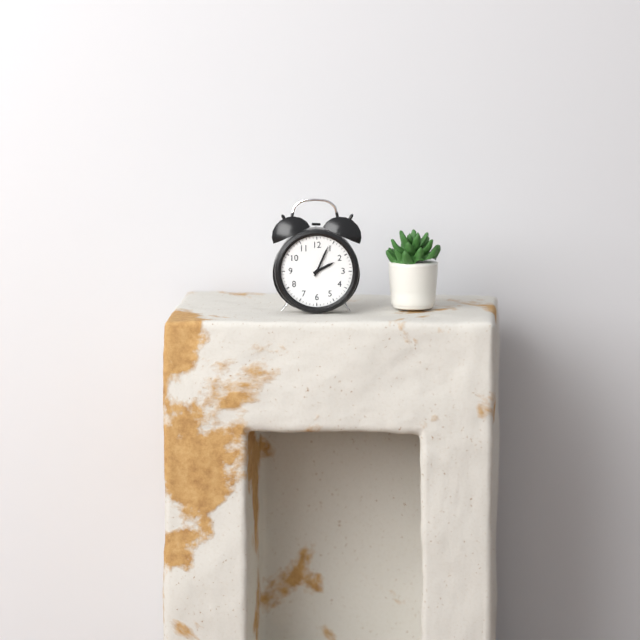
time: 2:04
